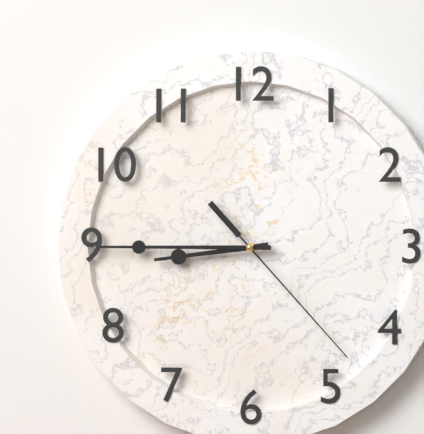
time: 8:45:23
